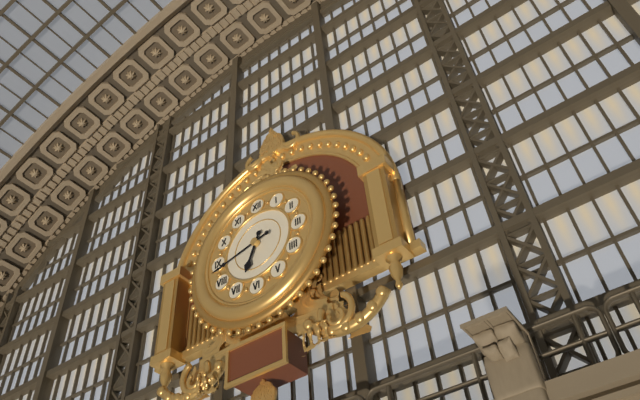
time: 6:43
